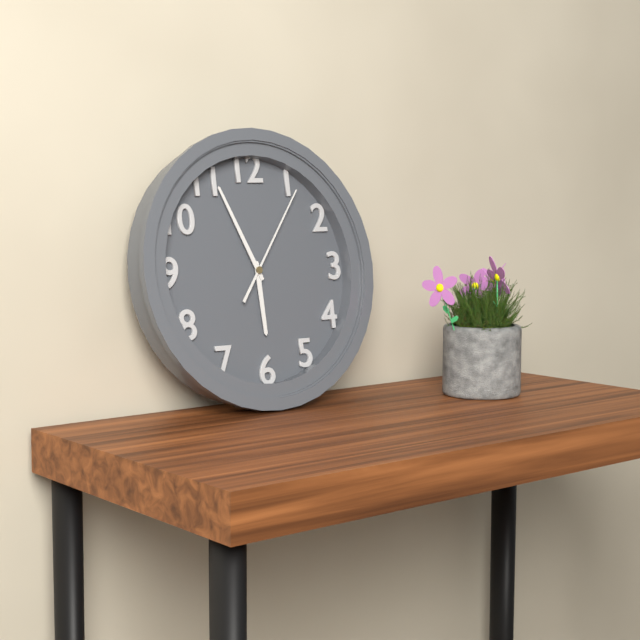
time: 5:56:06
